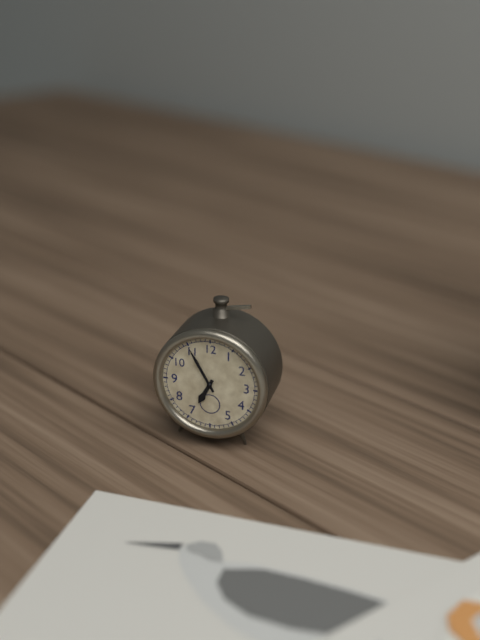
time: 6:55
